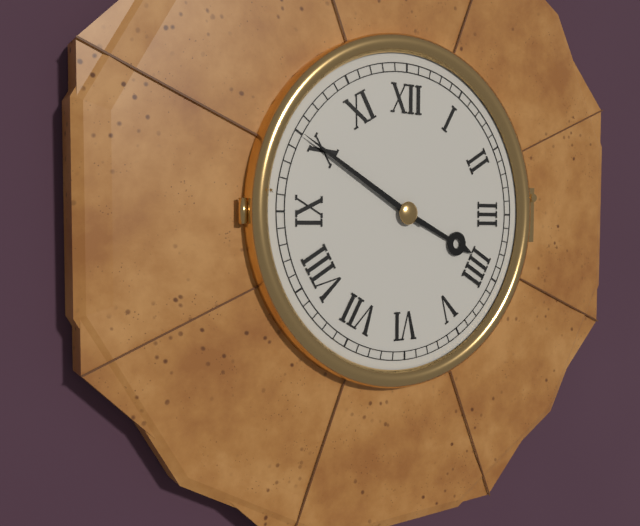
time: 3:50
